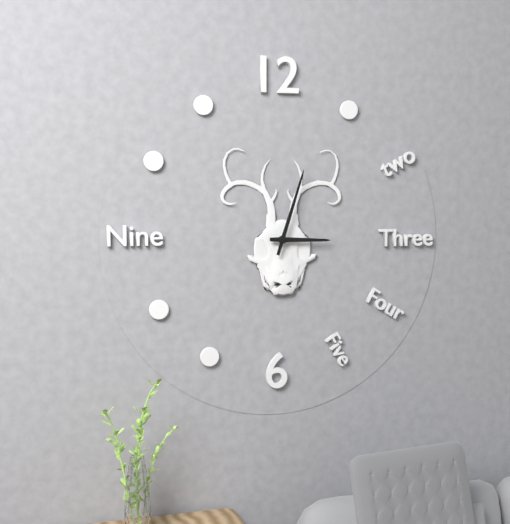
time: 3:03
